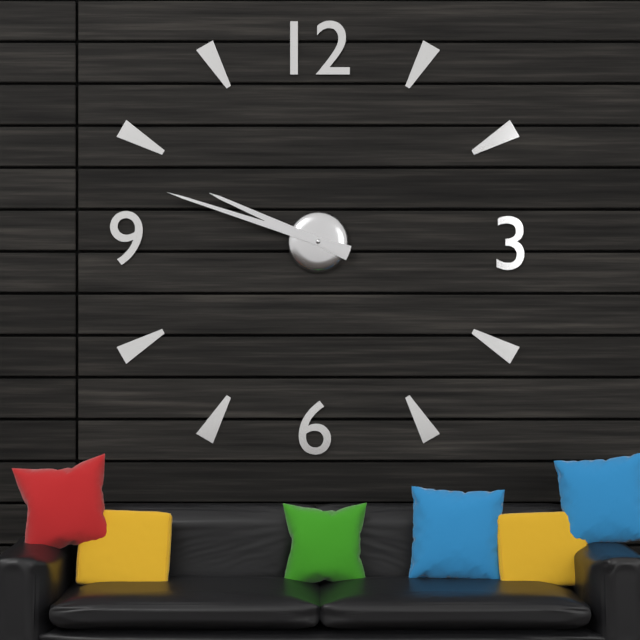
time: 9:48
